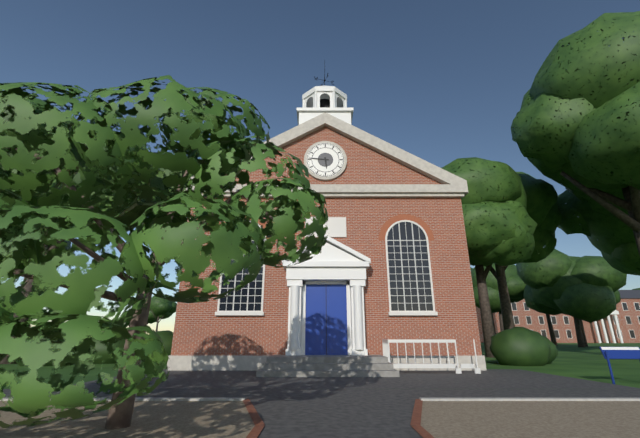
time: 5:46
